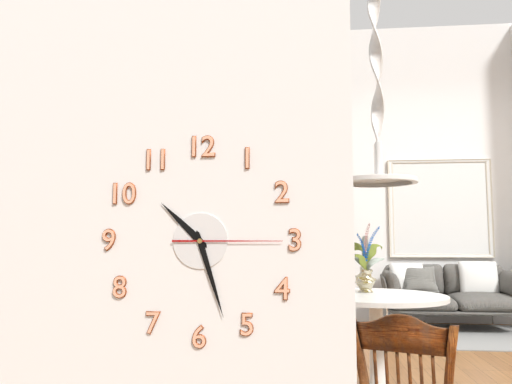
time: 10:27:15
